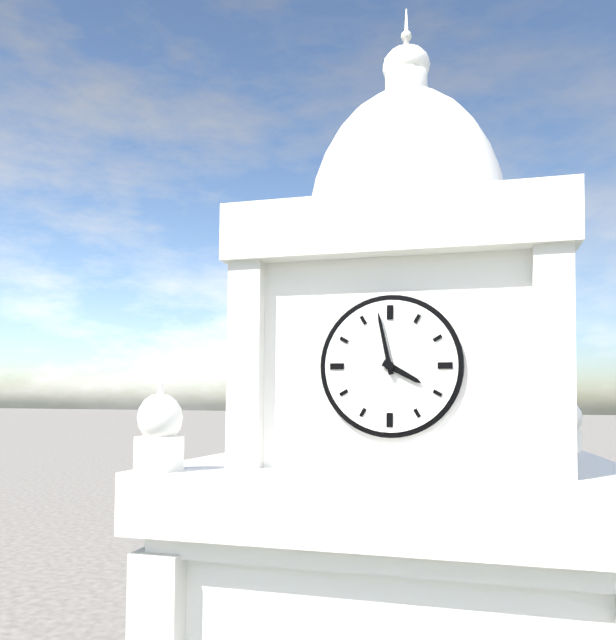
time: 3:58
